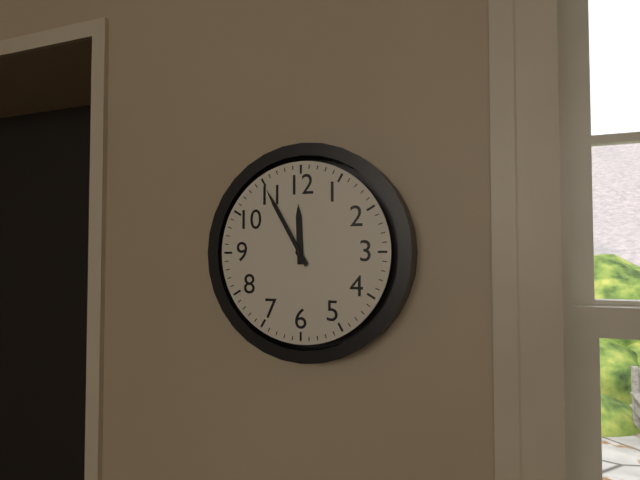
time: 11:55
